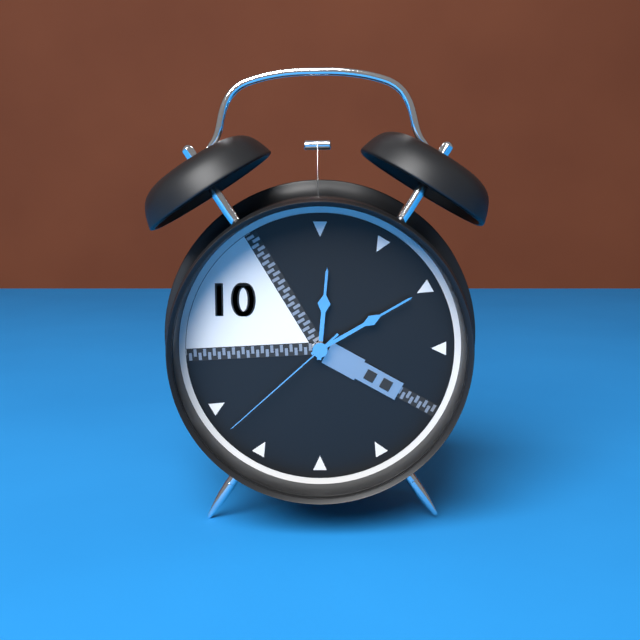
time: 12:10:38
